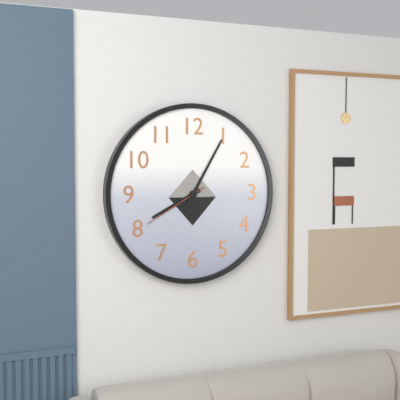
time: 8:05:40
